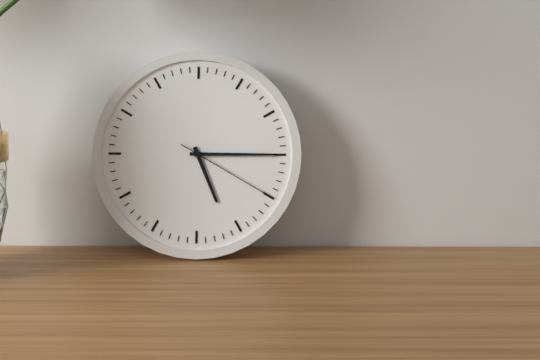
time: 5:15:20
